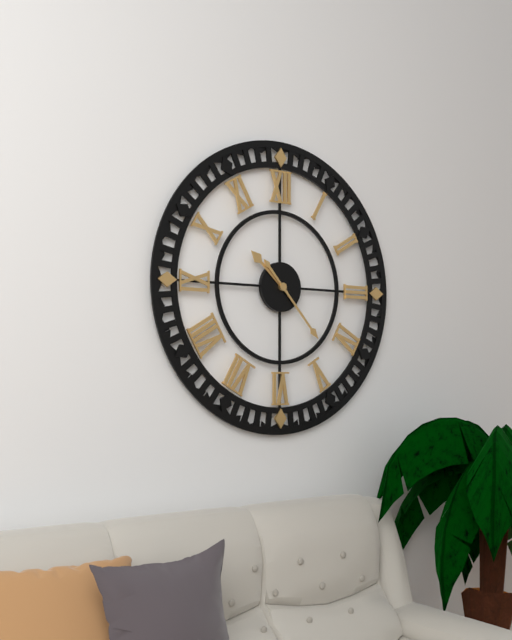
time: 10:23
